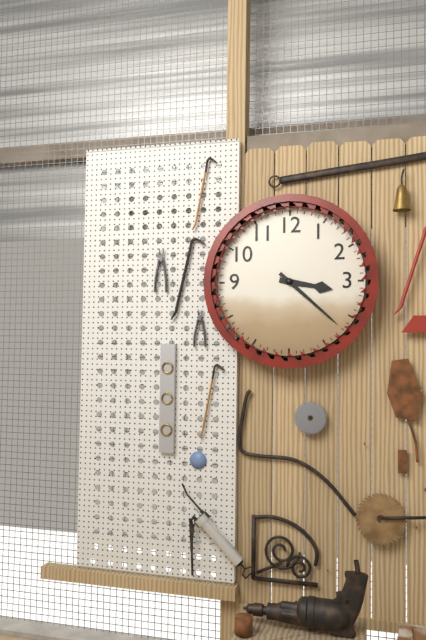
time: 3:22
